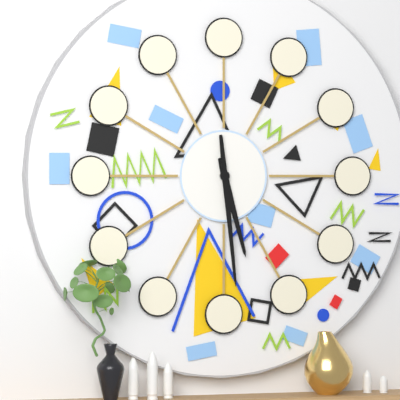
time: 5:29
